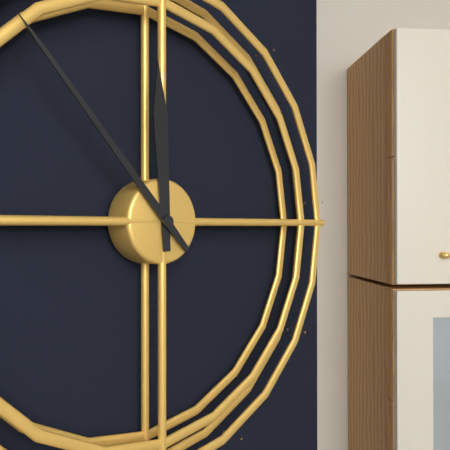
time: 11:53
